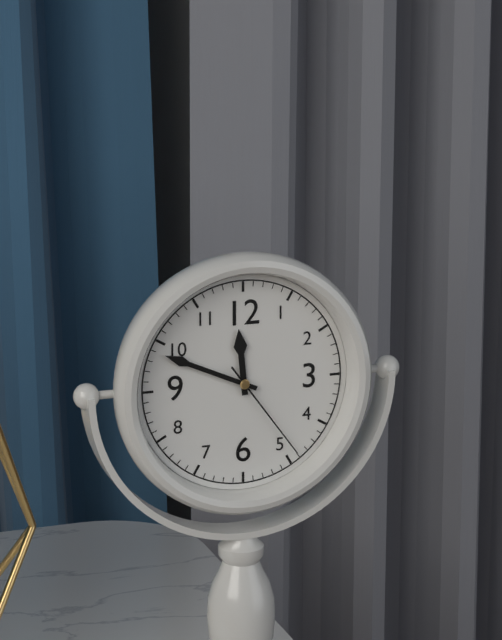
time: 11:49:24
